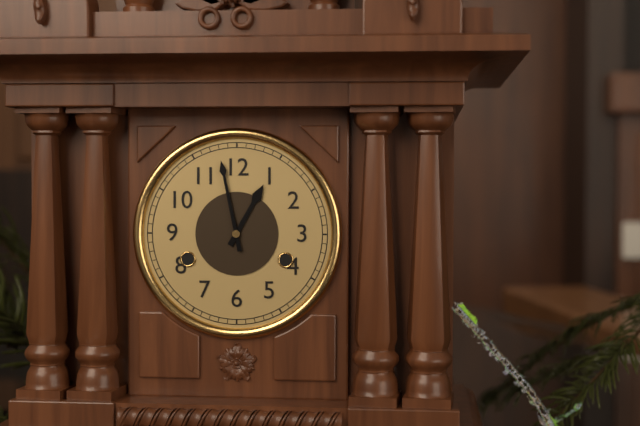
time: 12:58
